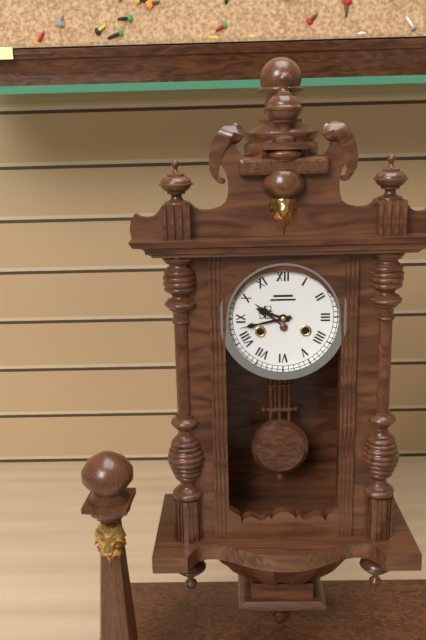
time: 9:43
